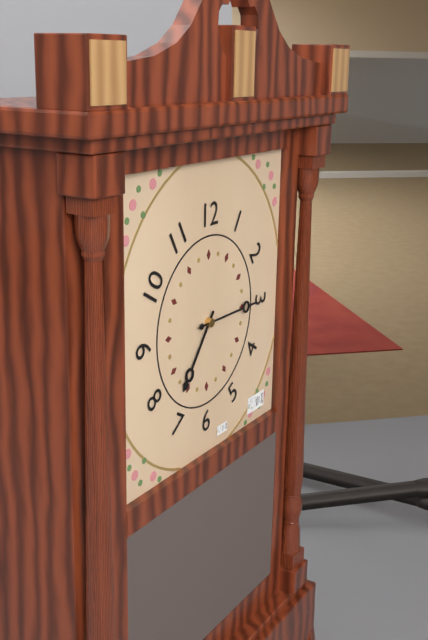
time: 7:15
